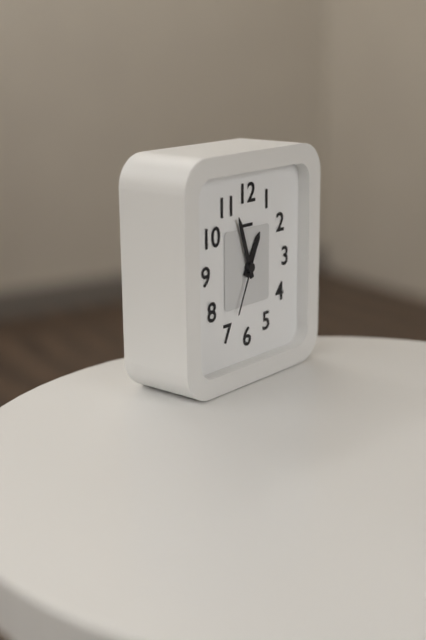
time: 12:57:34
